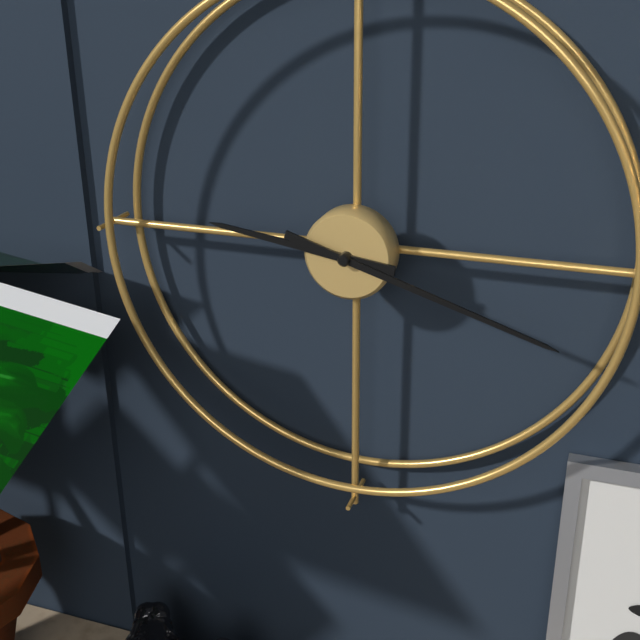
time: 9:18
